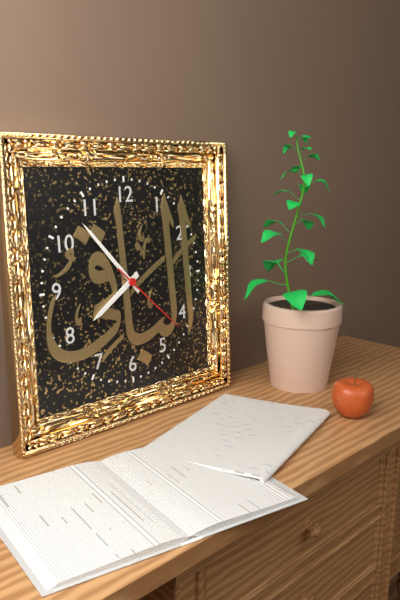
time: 7:53:22
